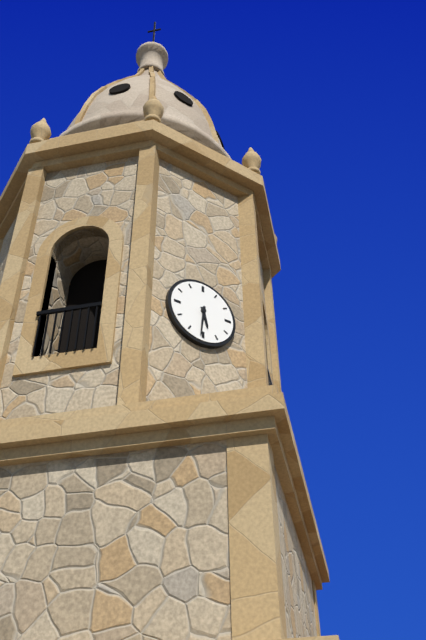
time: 5:31
